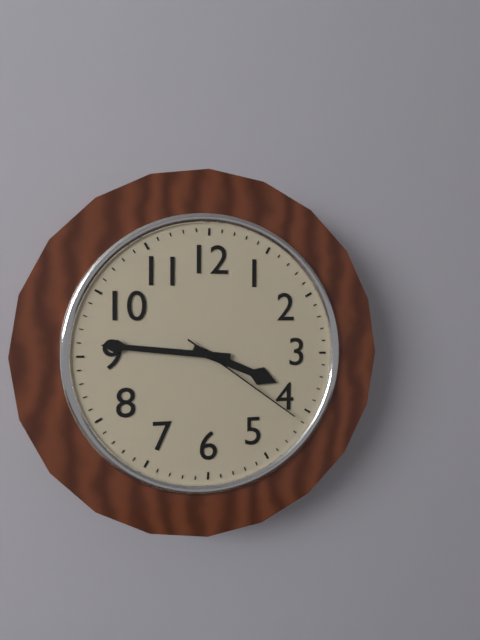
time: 3:46:21
